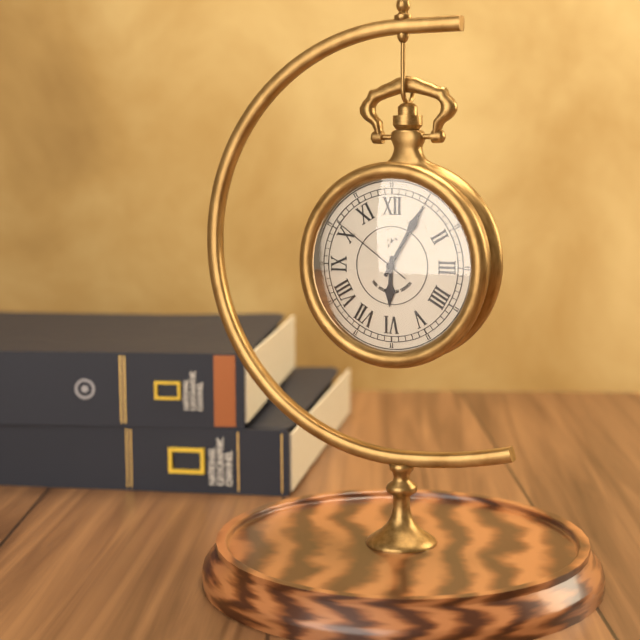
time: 6:05:51
